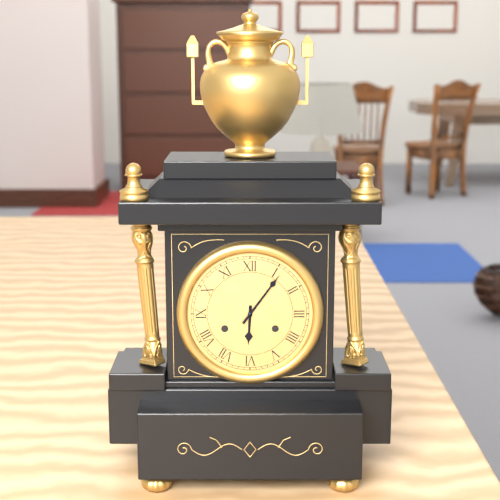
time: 6:06
